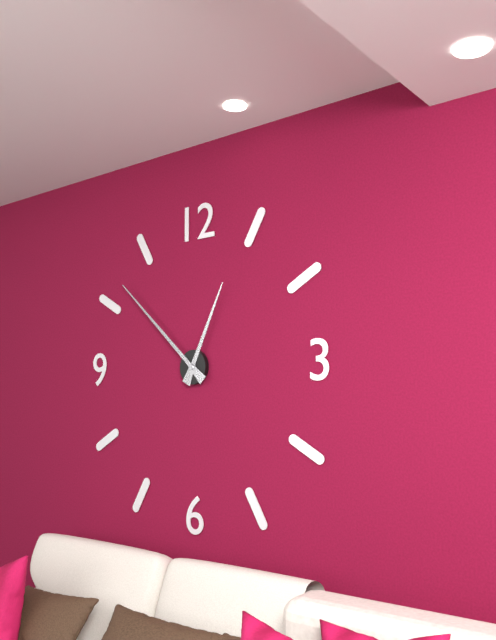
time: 12:52
